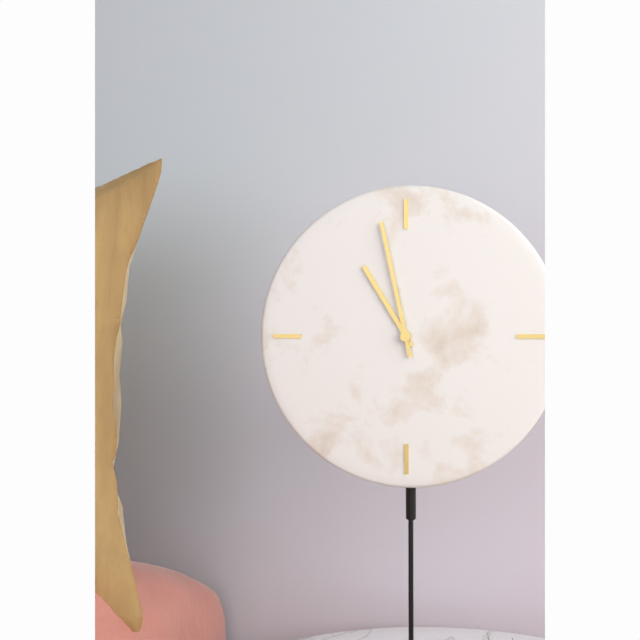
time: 10:58
